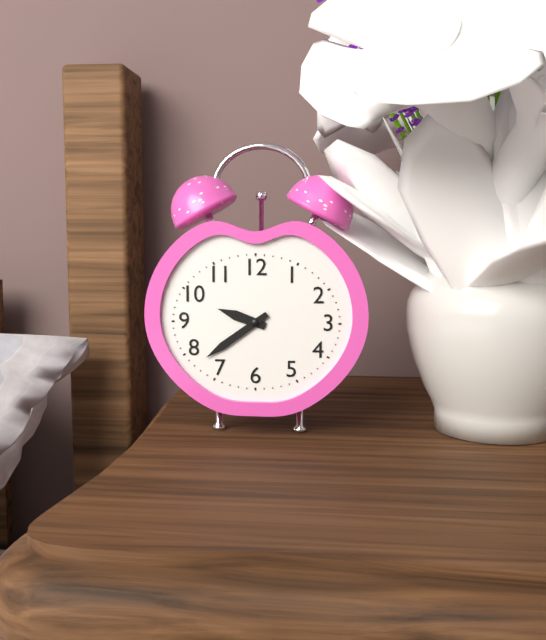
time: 9:39
